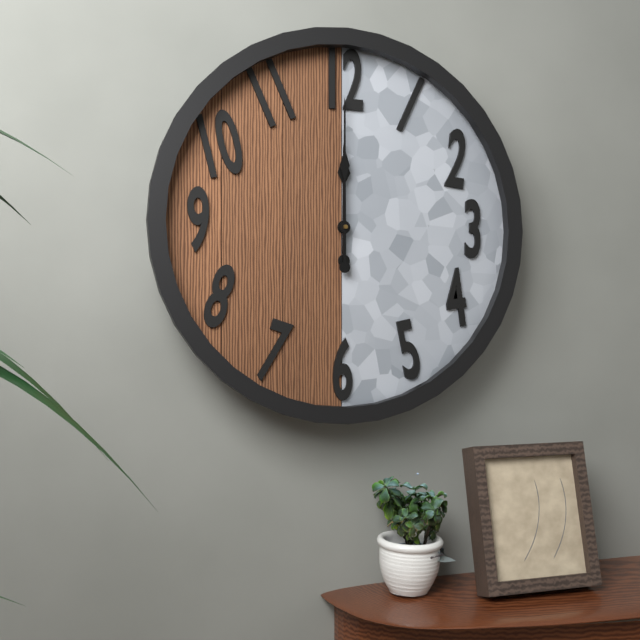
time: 12:00
